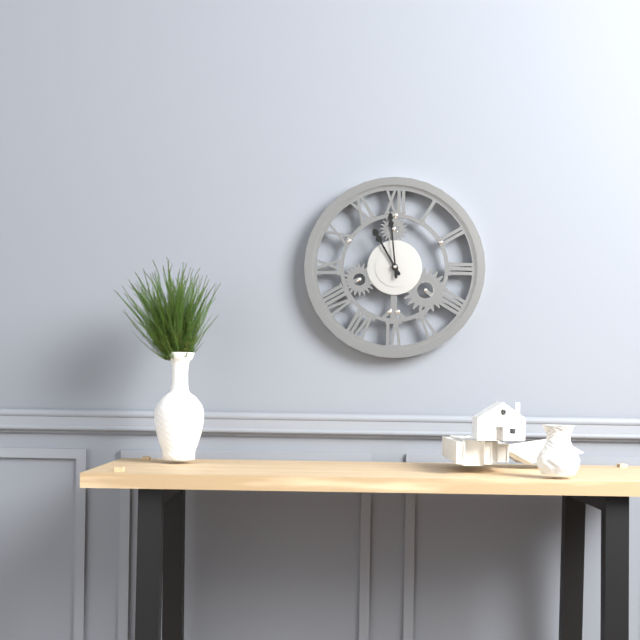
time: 10:59
